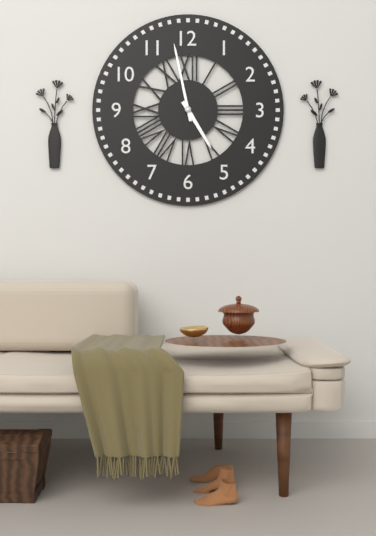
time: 4:58
